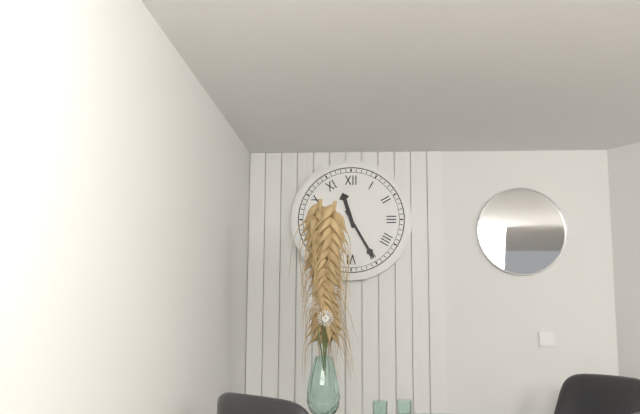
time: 11:25
